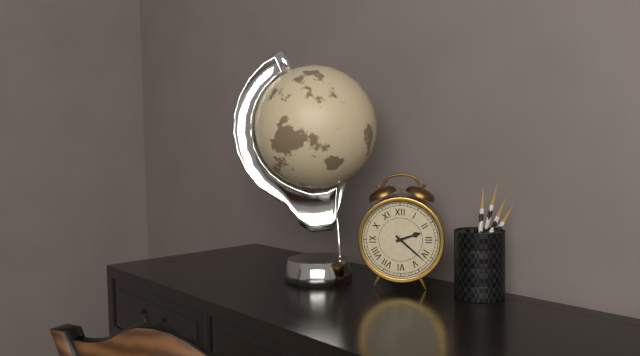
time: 2:22
